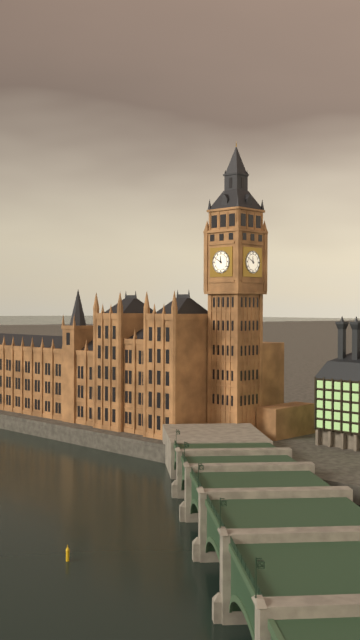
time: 11:50
